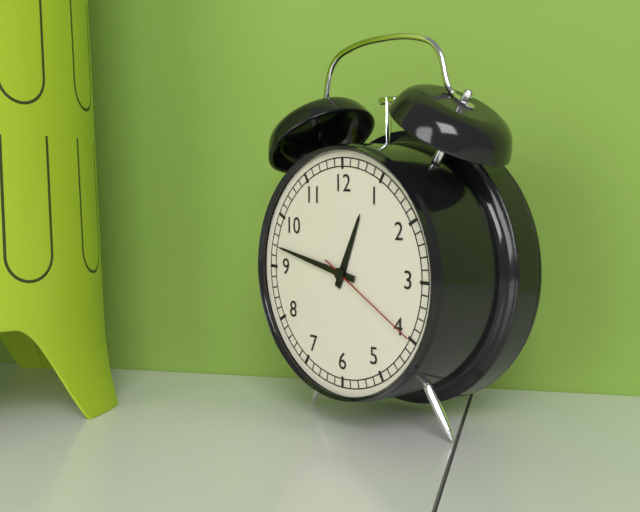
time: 12:47:20
